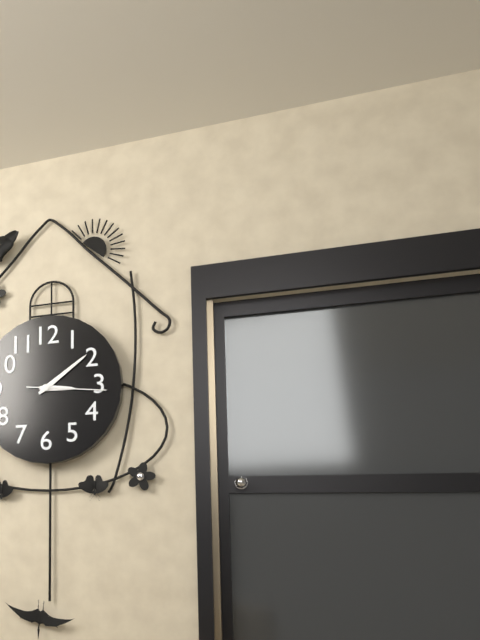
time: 3:09:16
